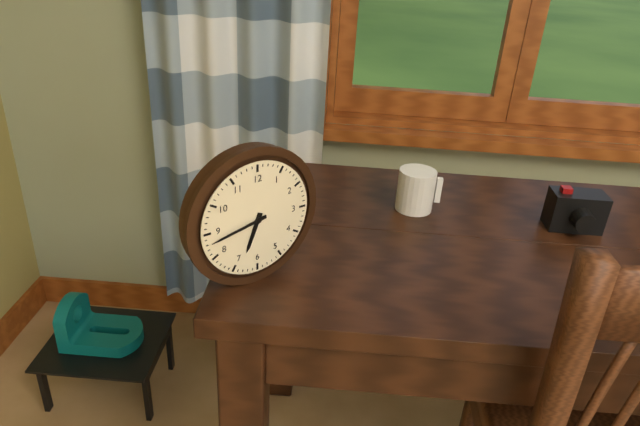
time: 6:43
